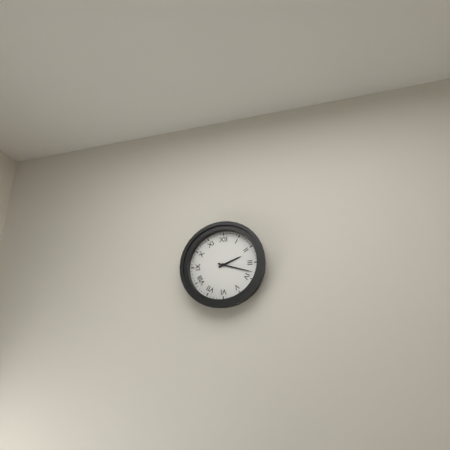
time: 2:18
